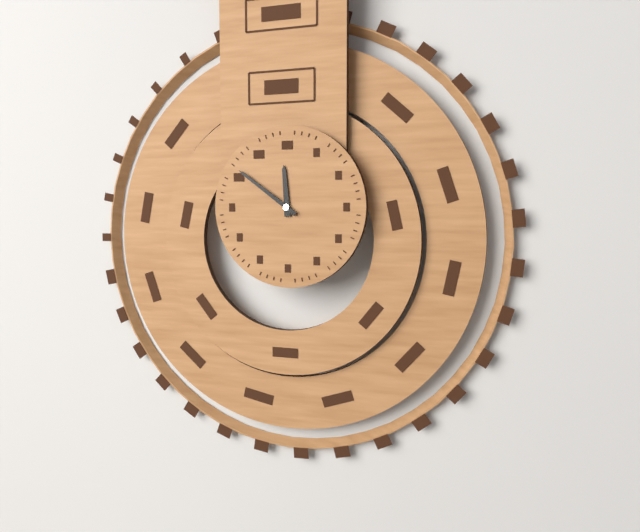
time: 11:51
